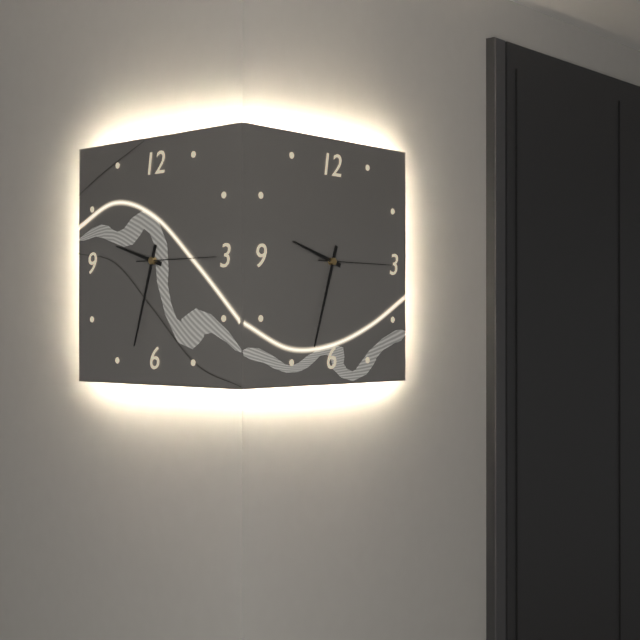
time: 9:33:15
